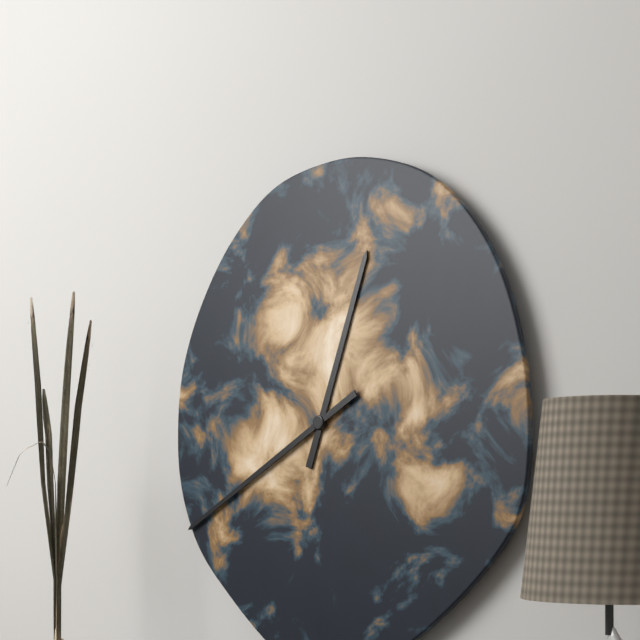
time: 12:40
